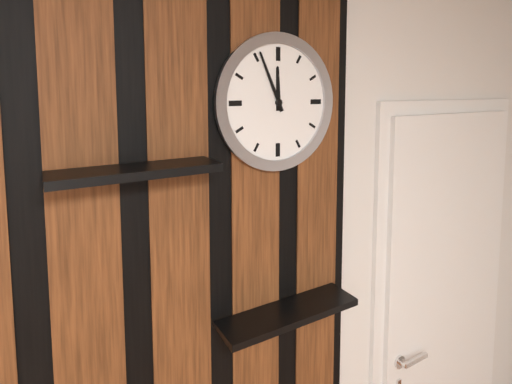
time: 11:56
